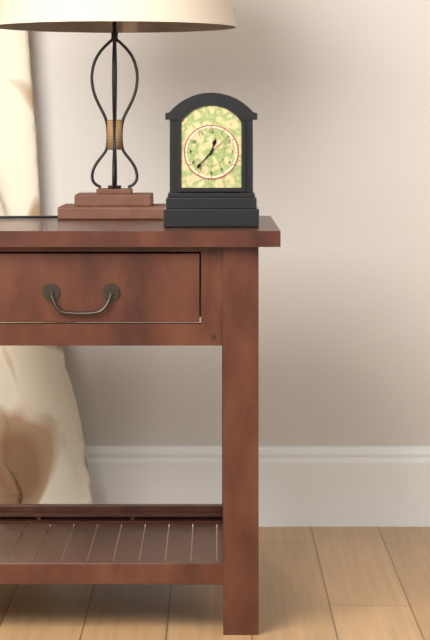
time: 12:37
